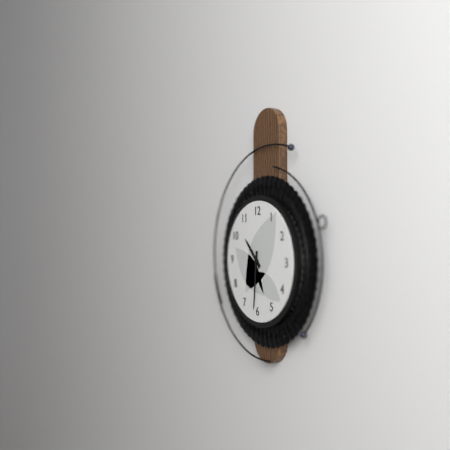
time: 10:31
